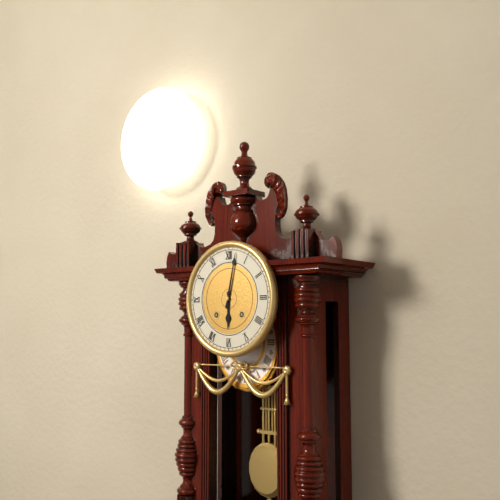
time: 6:02
